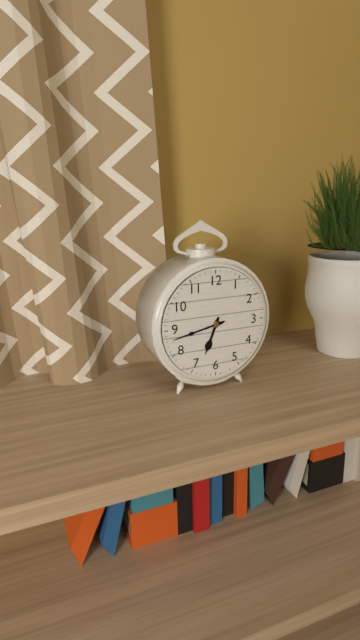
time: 6:43
